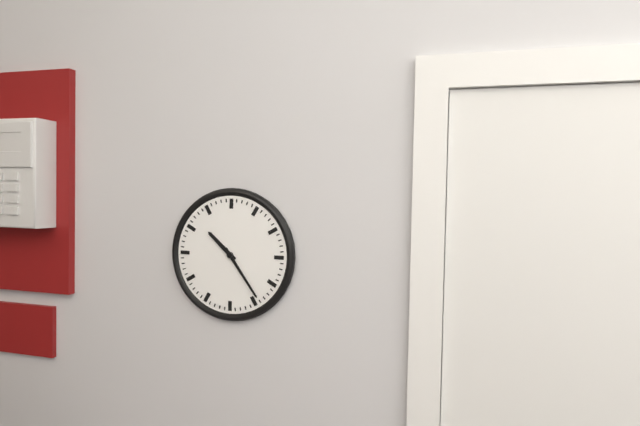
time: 10:24
